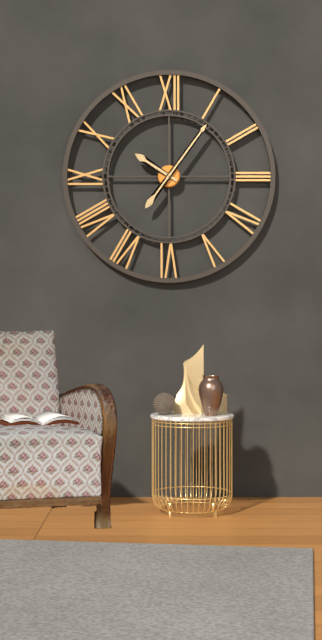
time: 10:06
